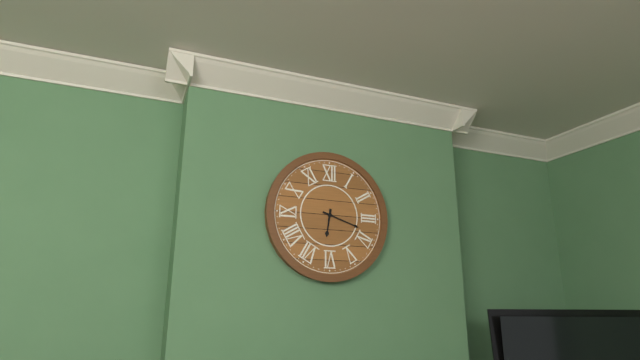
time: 6:18
